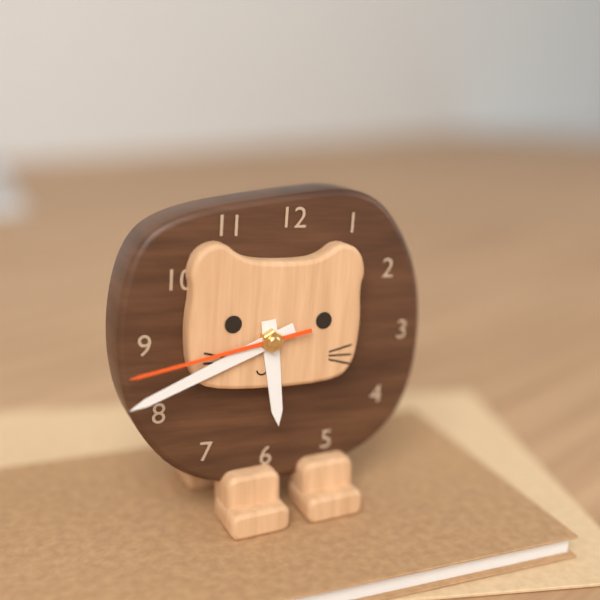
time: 5:41:43
